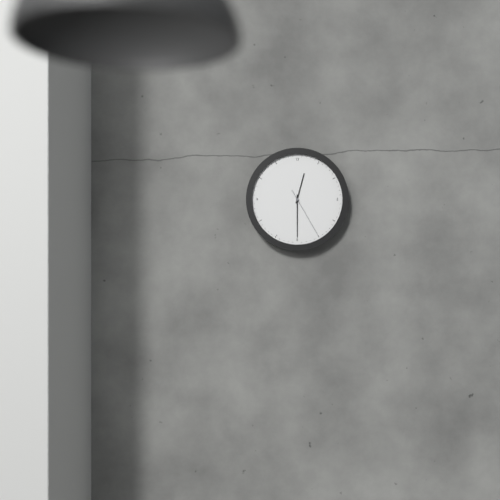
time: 12:30:25
